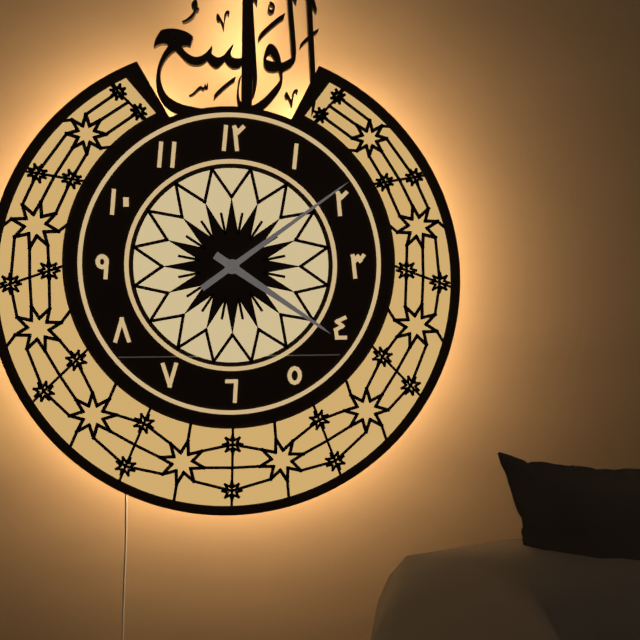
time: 4:09
